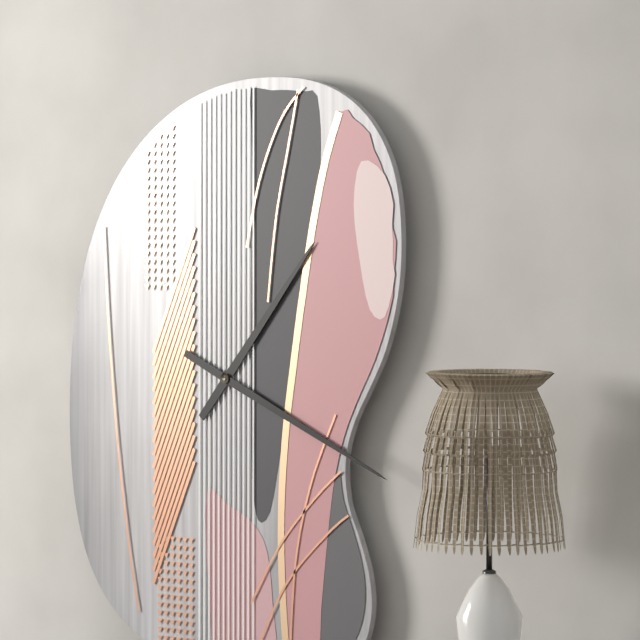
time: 1:19
